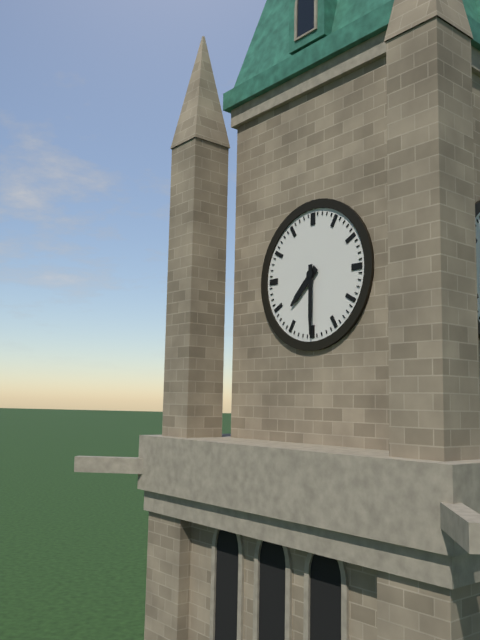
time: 7:30
